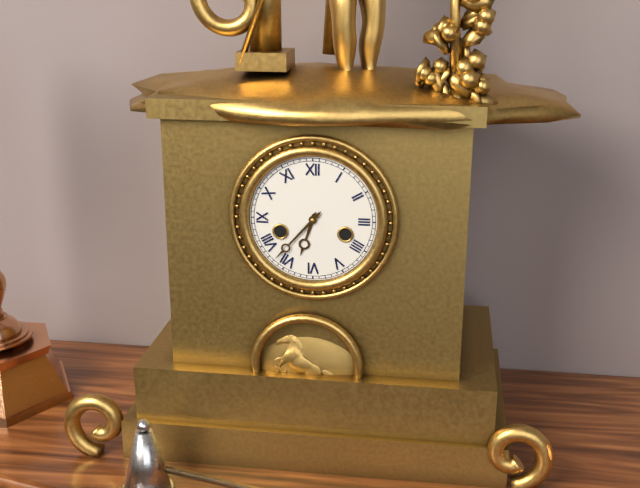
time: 6:37
